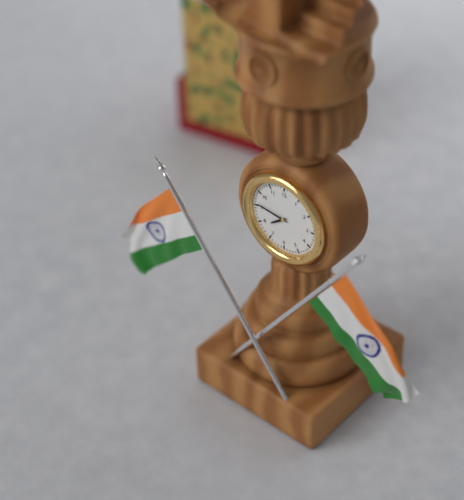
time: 7:46
